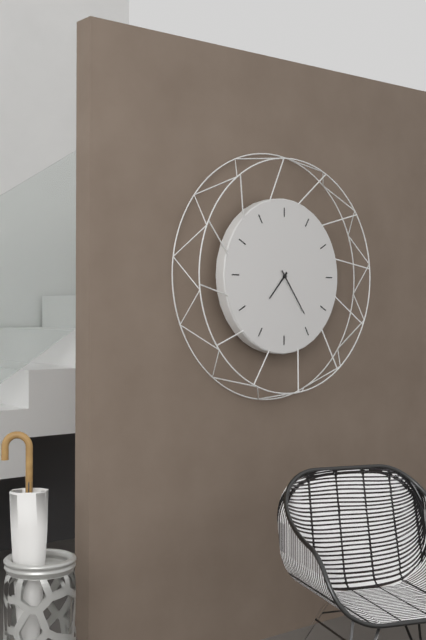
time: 7:24
